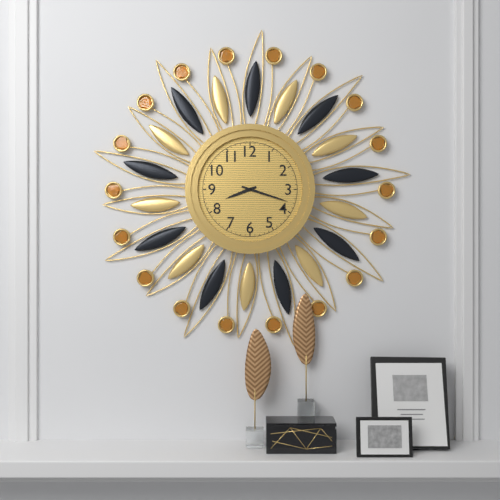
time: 8:18
